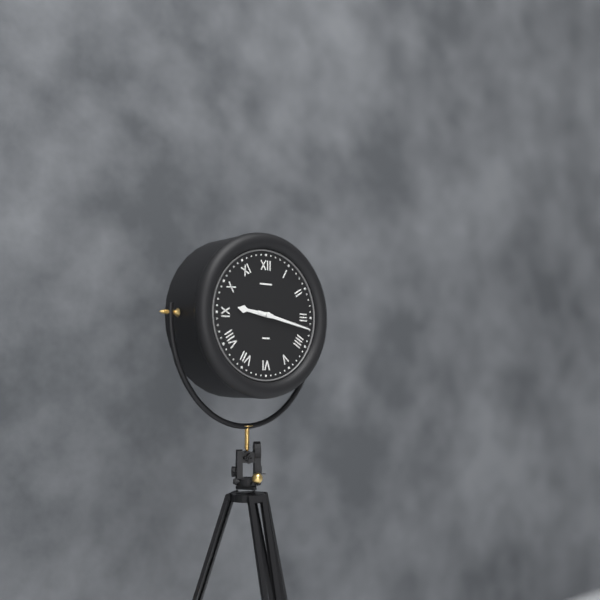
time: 9:17
